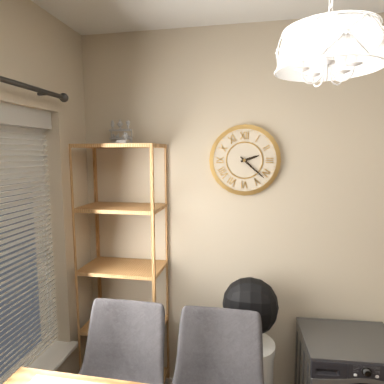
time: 2:22
